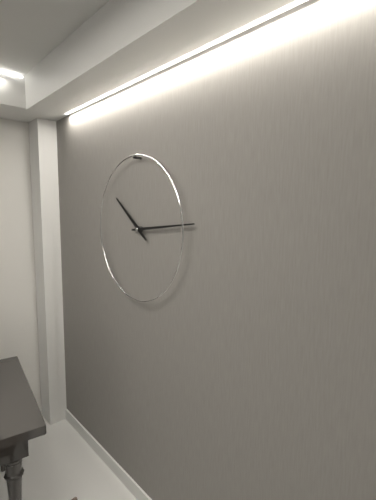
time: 10:14
